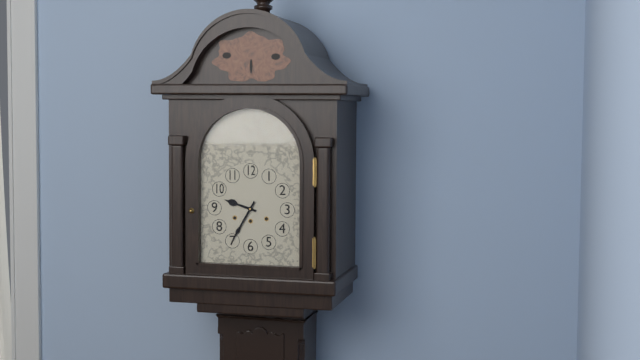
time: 9:35
